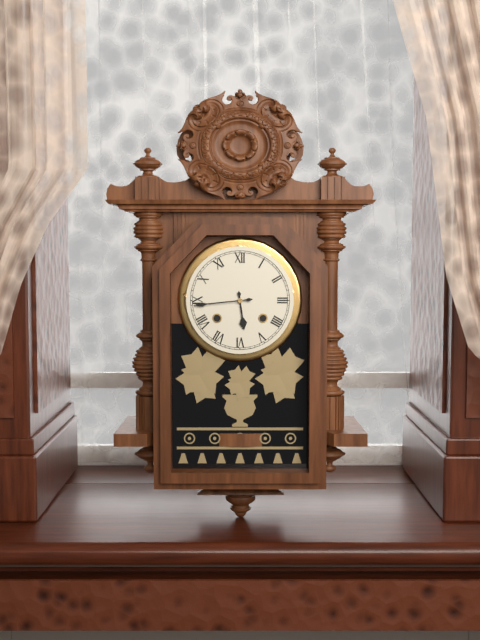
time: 5:44
